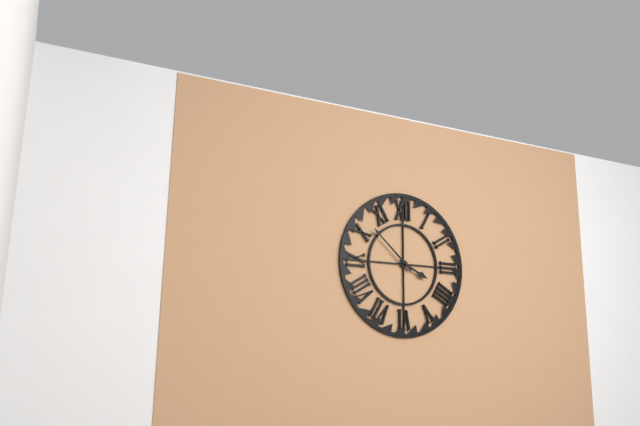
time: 3:52
